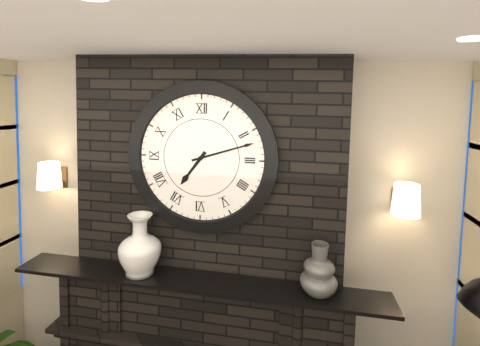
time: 7:12
